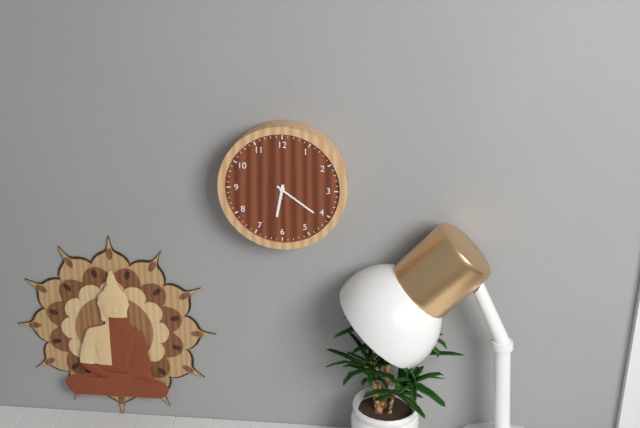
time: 6:21
